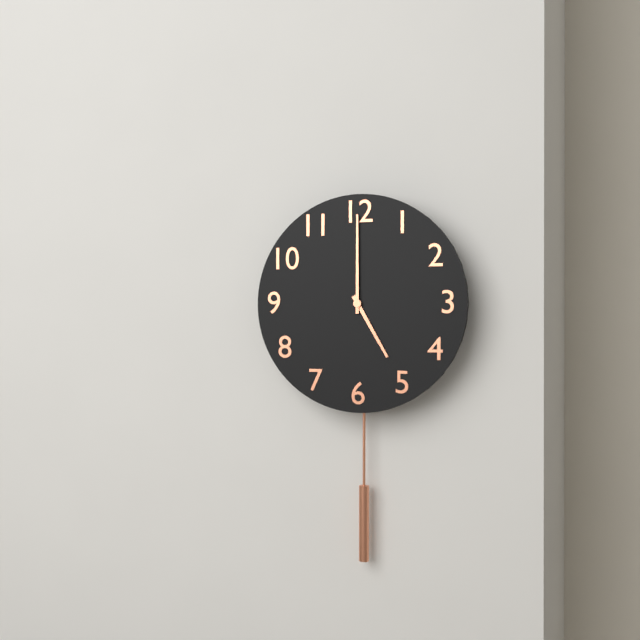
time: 5:00
